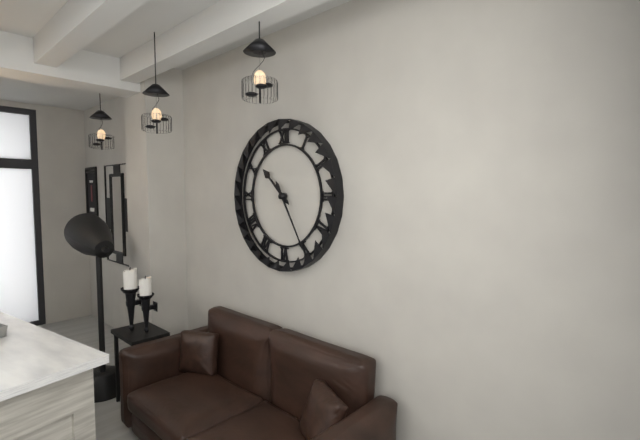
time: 10:25
